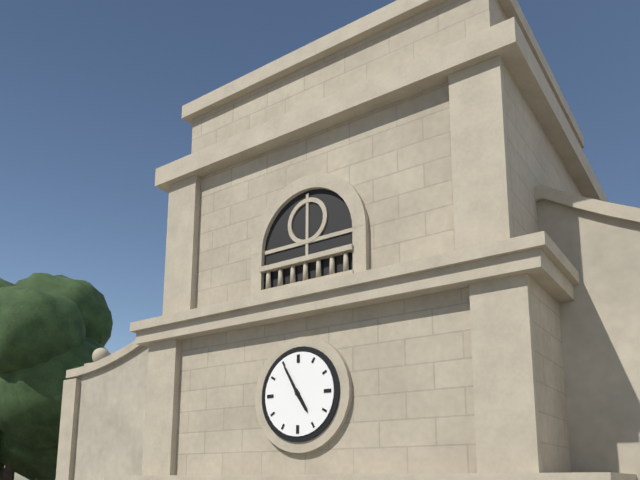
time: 4:55
